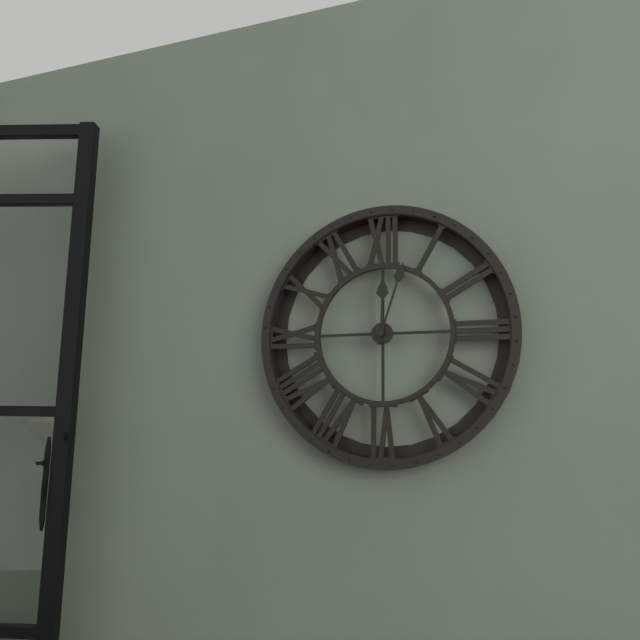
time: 12:03
